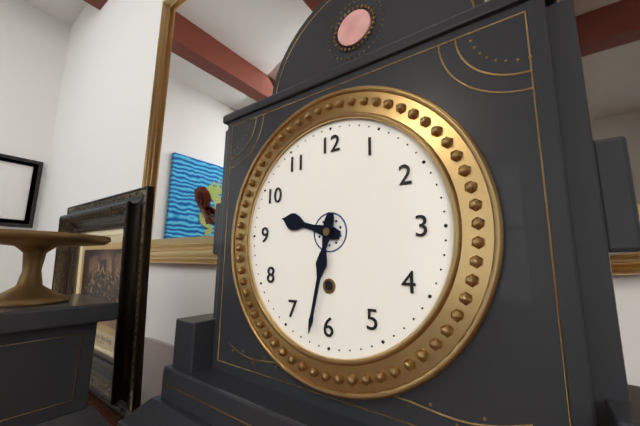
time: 9:32
